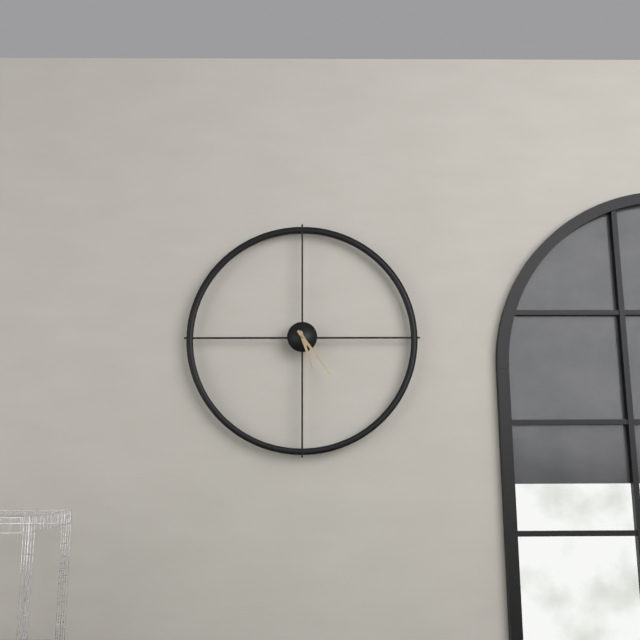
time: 5:24
